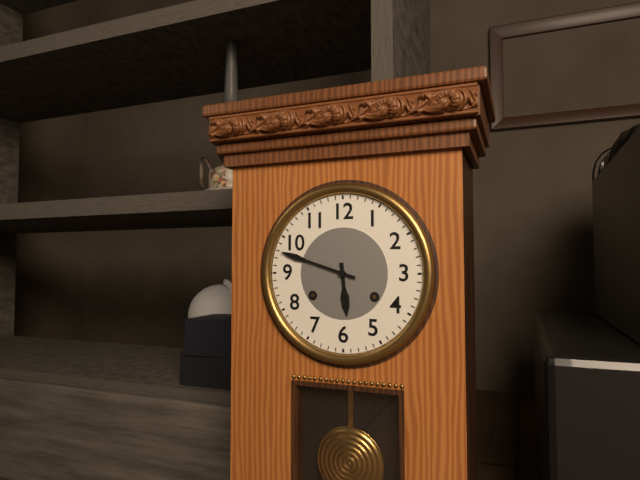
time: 5:48
